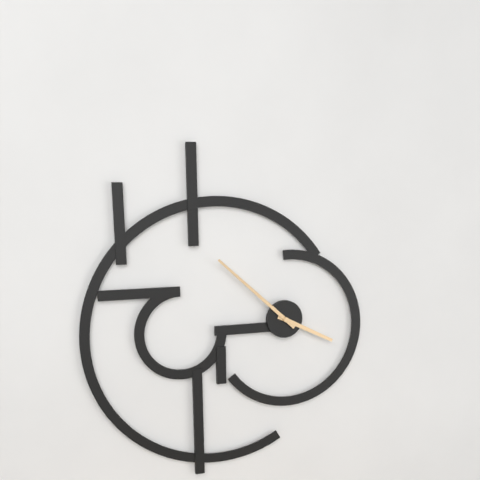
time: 3:52
